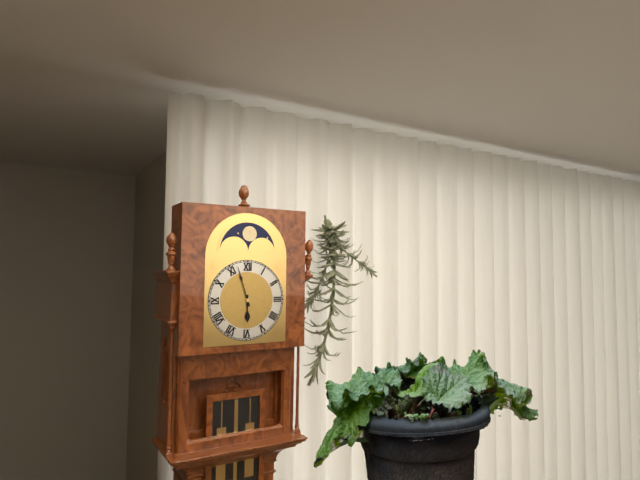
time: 5:57
